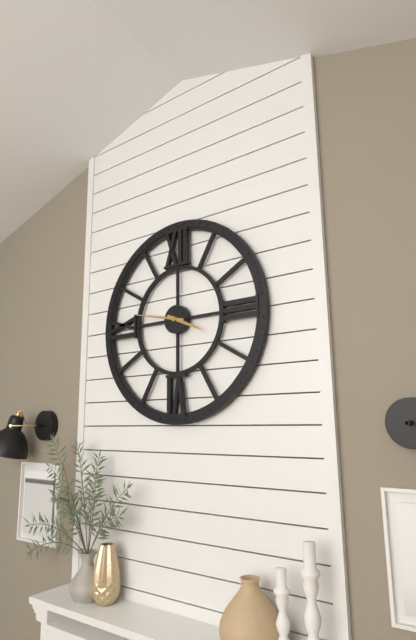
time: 3:47
